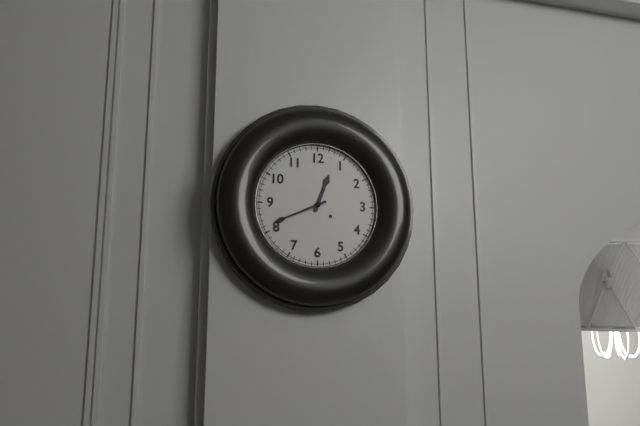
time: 12:41
